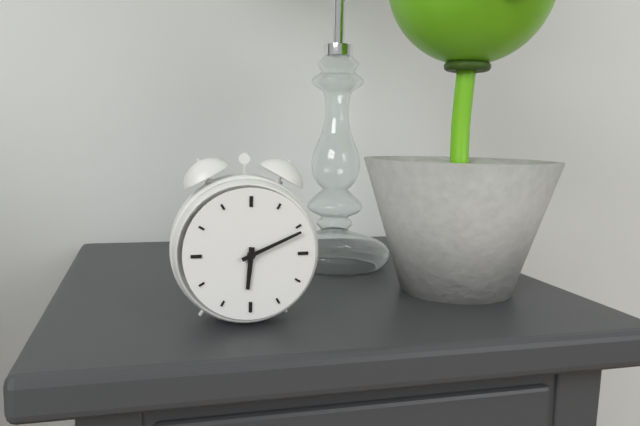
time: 6:11
